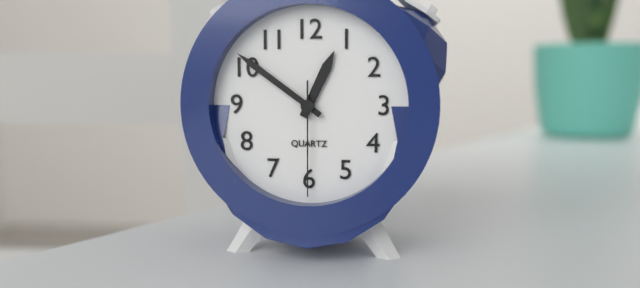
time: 12:51:30
